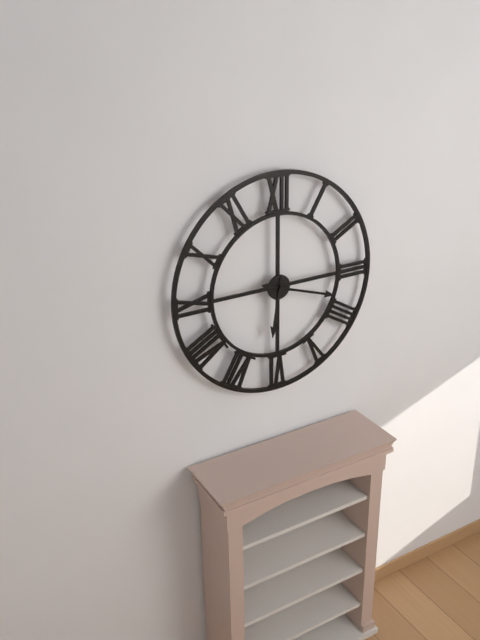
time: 6:18
